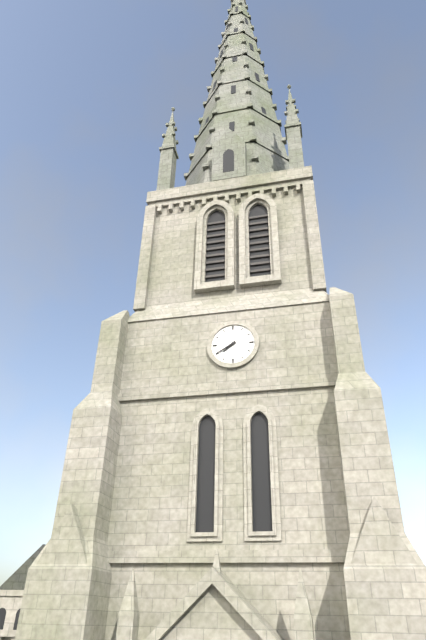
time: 7:40
